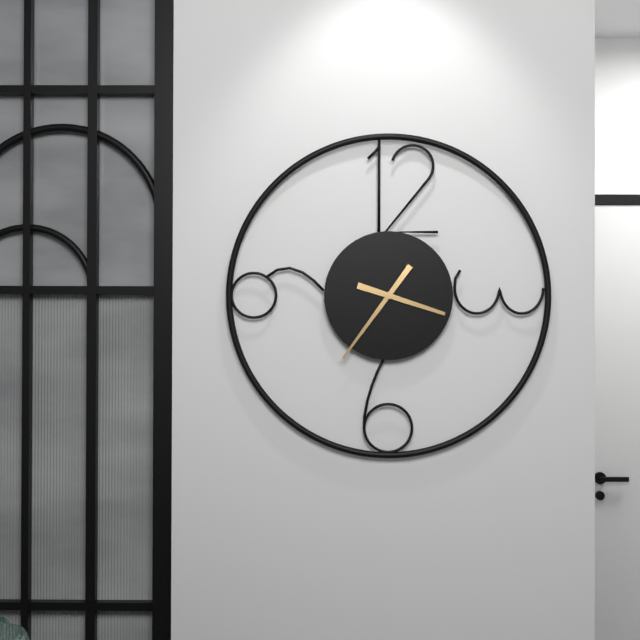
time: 3:36
